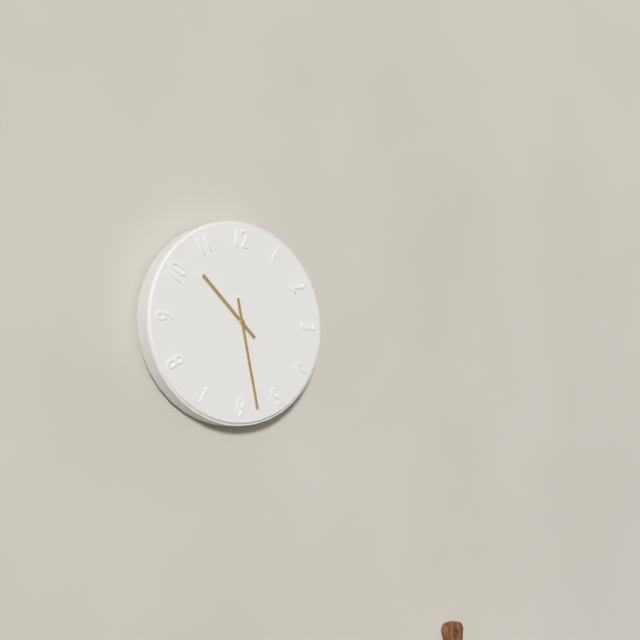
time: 10:28
